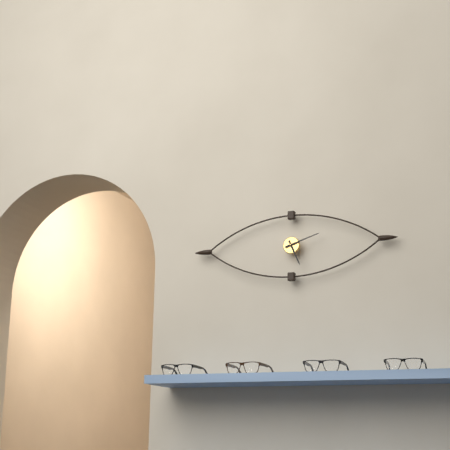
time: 5:12
